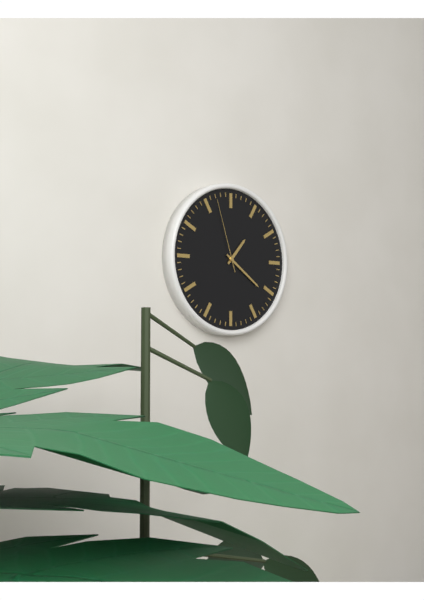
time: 1:21:57
